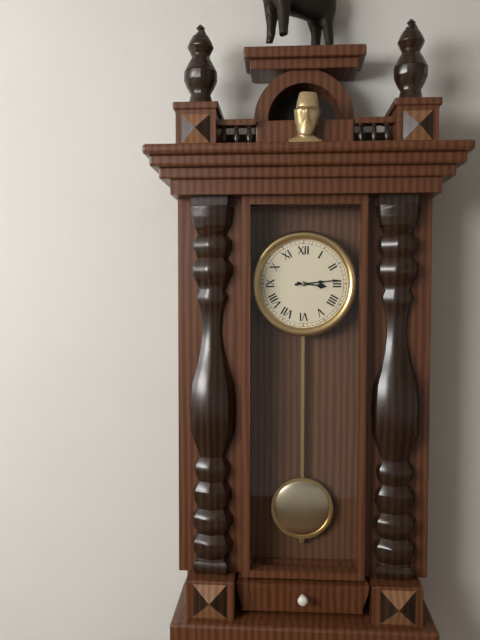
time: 3:14
